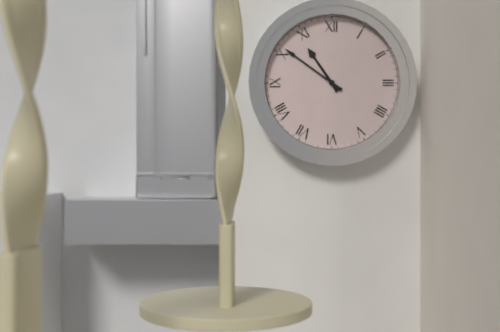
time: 10:51
